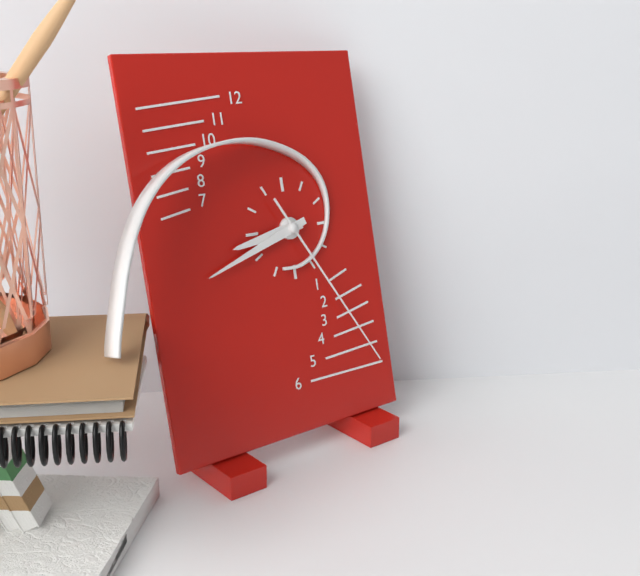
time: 8:42:25
